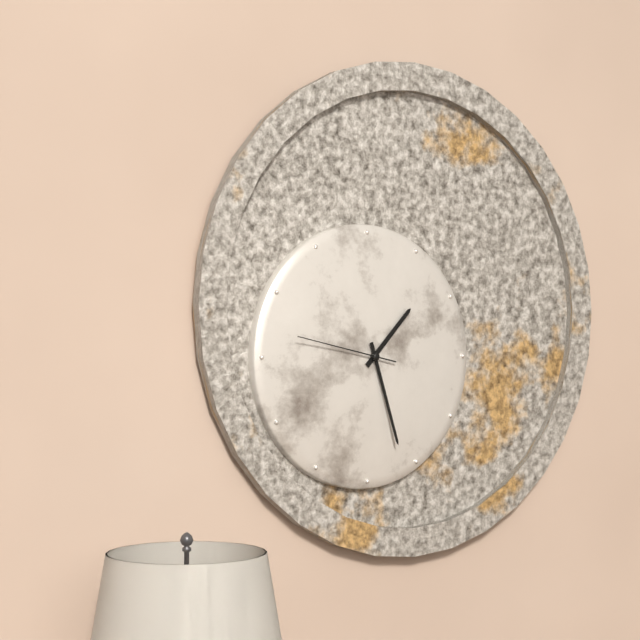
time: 1:27:47
